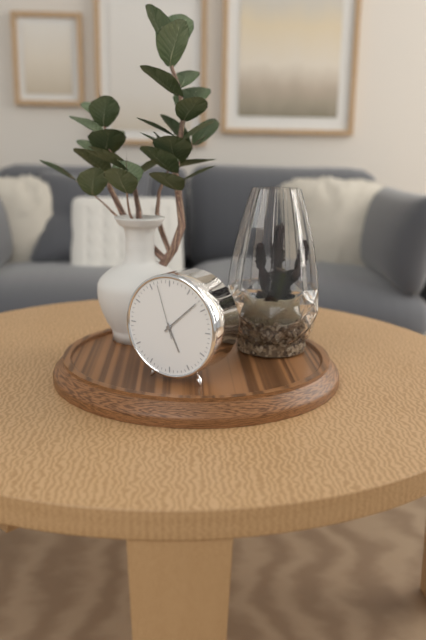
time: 5:08:57
